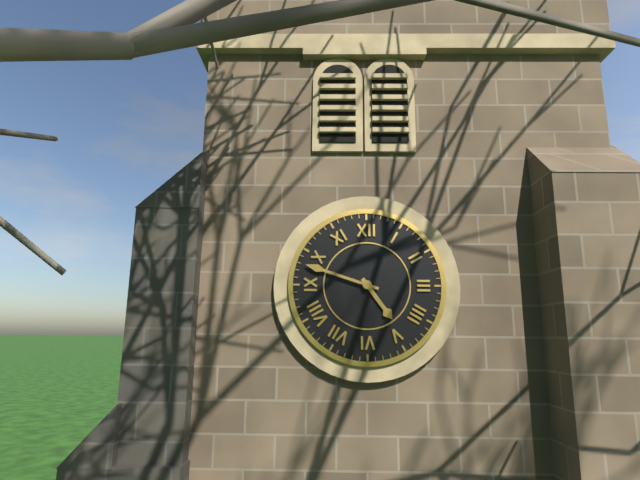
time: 4:48
